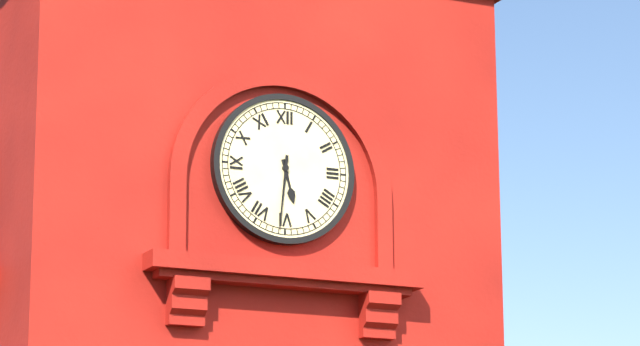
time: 5:31
